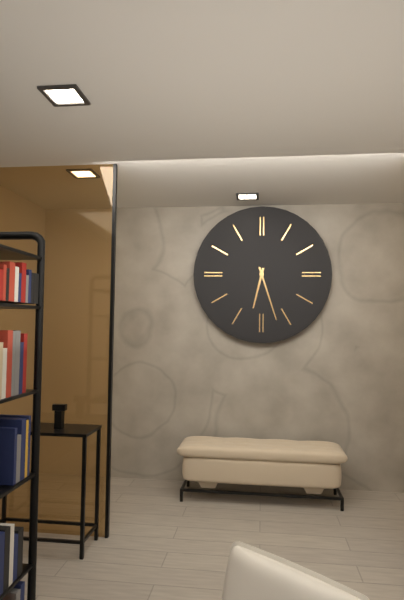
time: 6:27
